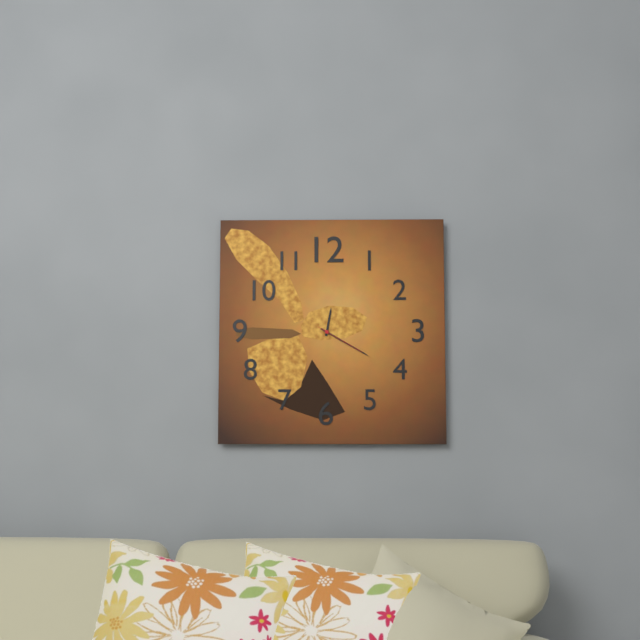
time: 12:20:20
